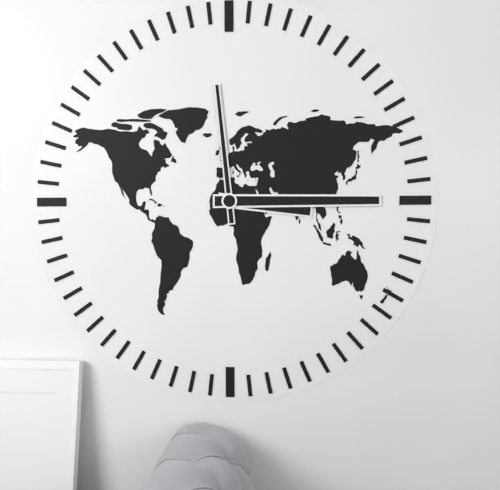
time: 3:15:59
